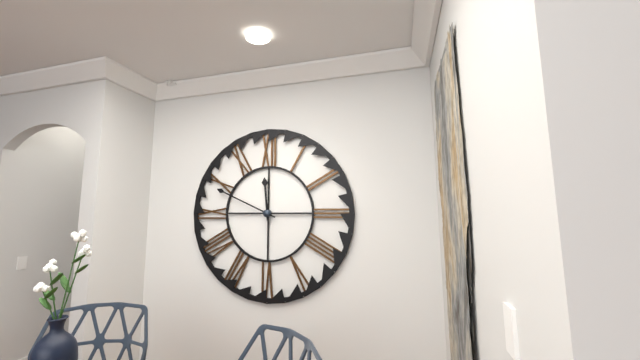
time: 11:49
